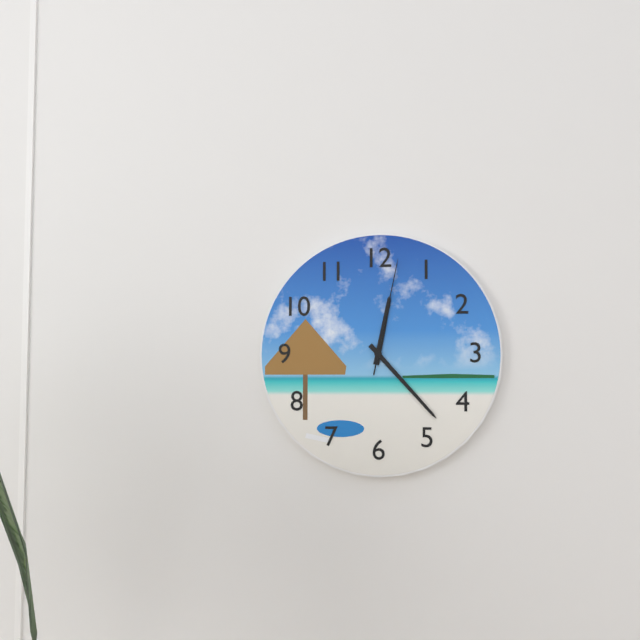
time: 12:23:02
